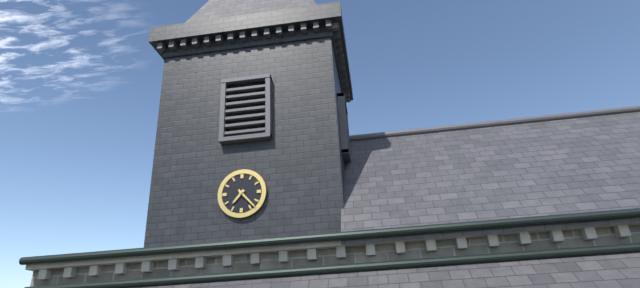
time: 7:23
